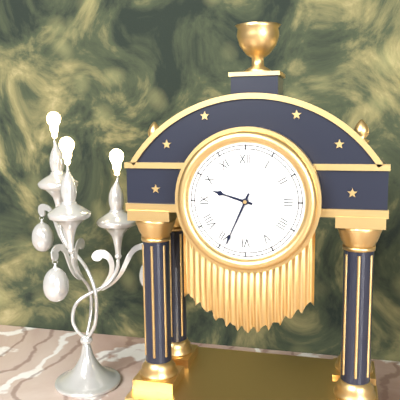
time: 9:34
